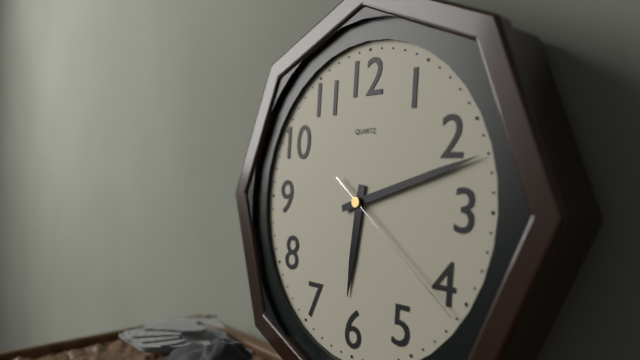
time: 6:12:21
